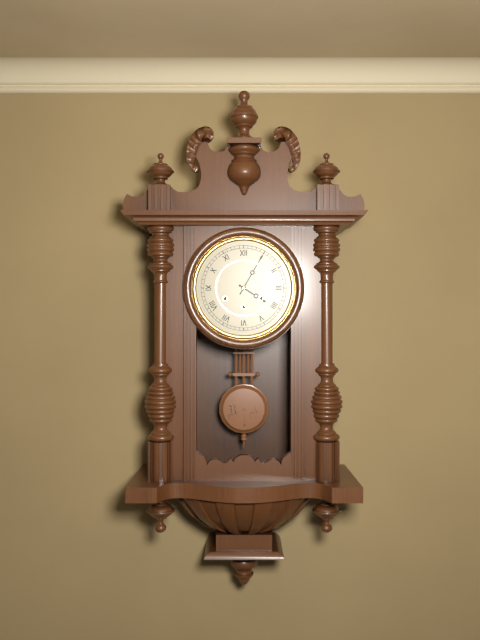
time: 4:05
